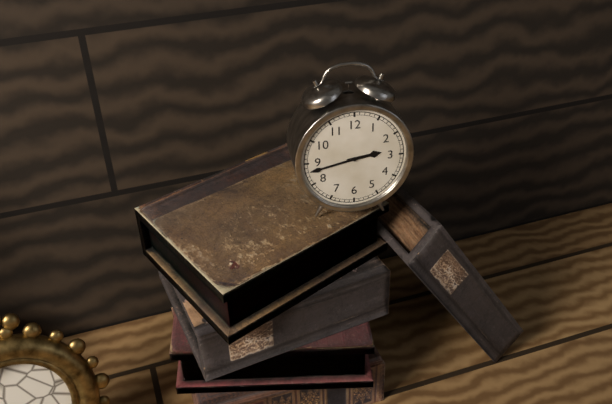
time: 2:43
